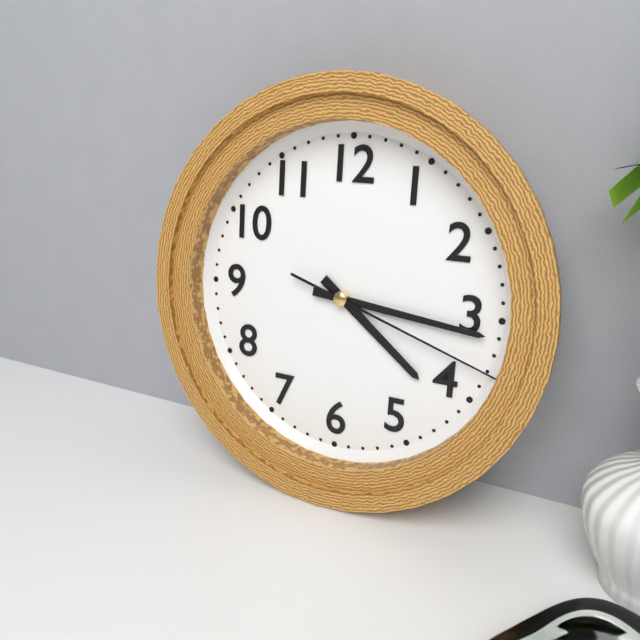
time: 4:16:18
